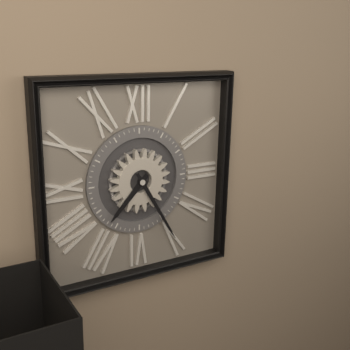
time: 7:25
